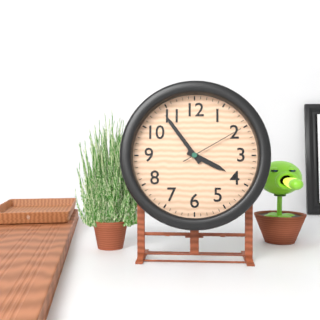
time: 3:54:10
